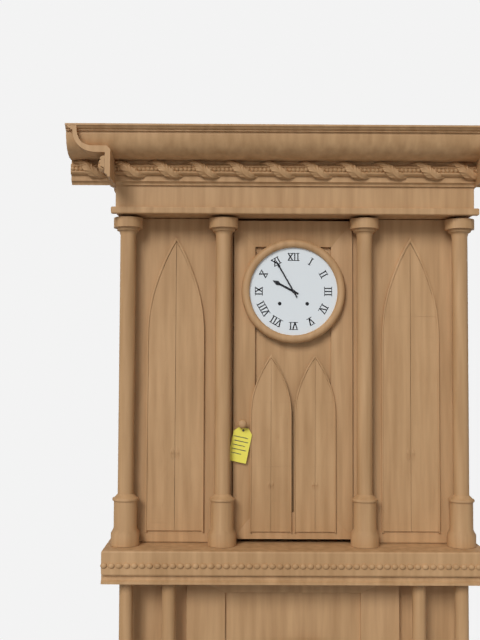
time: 9:55
